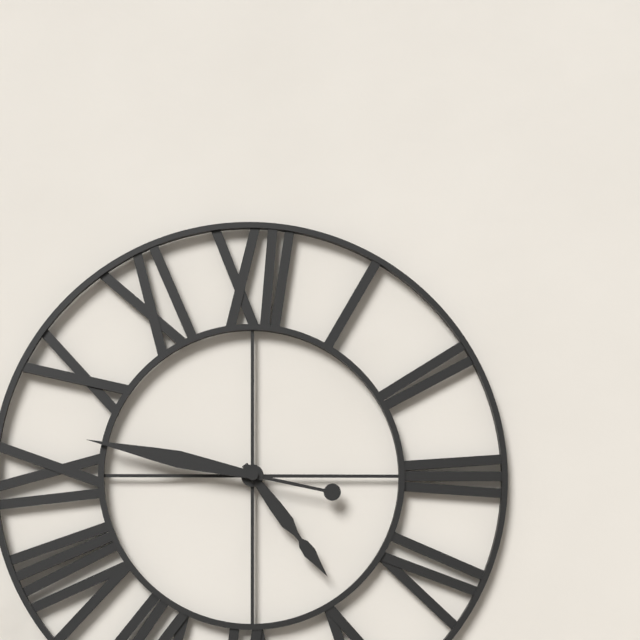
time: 4:47
